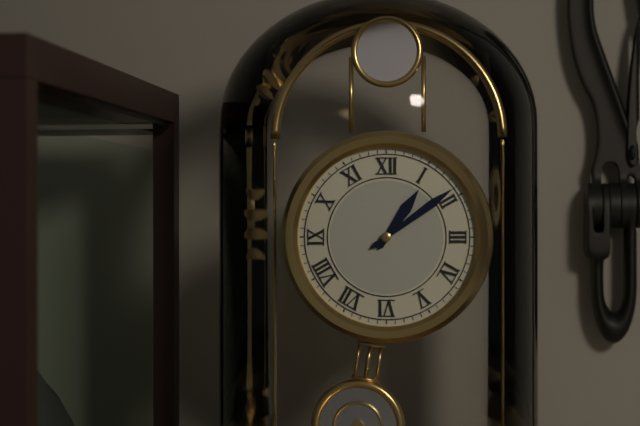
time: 1:09
